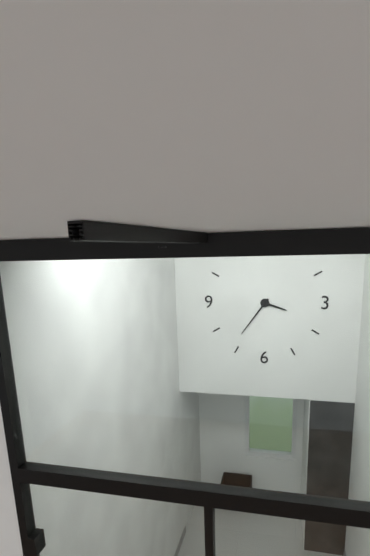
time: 3:36
